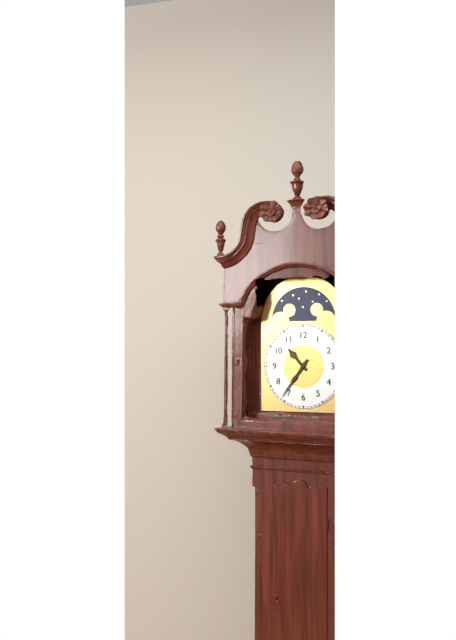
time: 10:36
